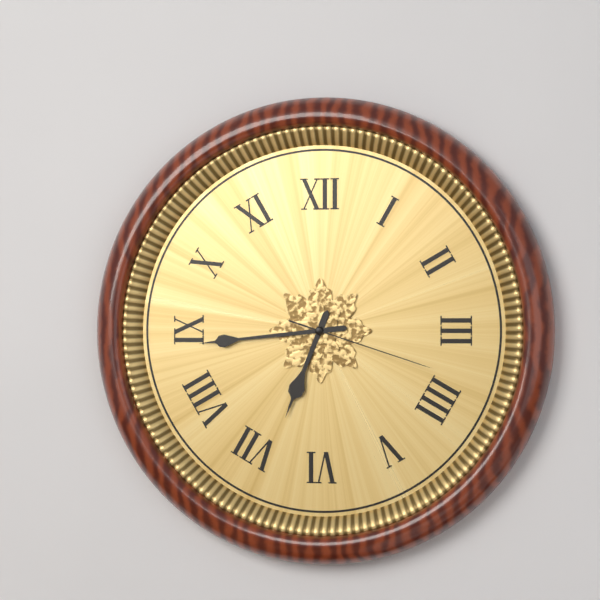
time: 6:44:18
